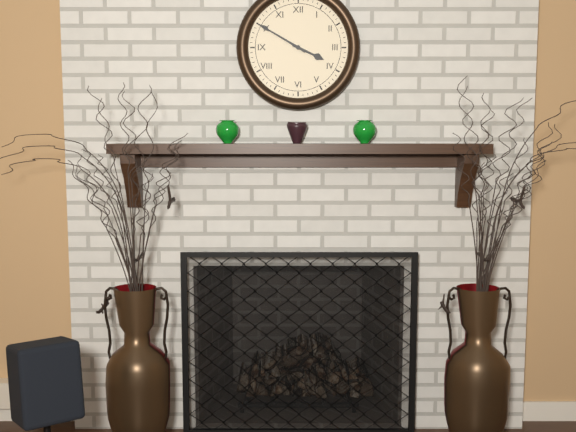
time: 3:50
